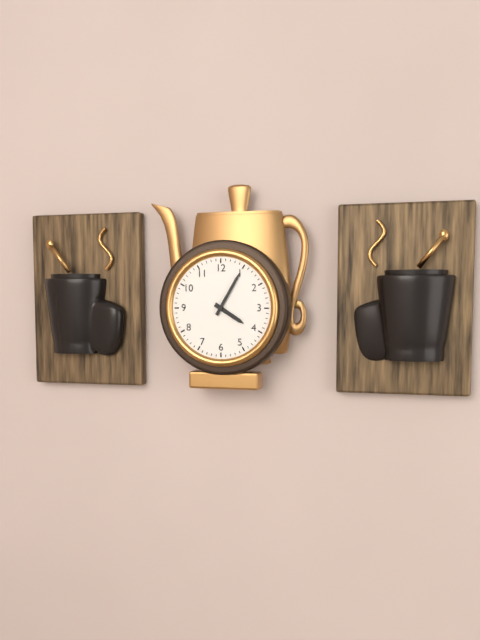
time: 4:05
